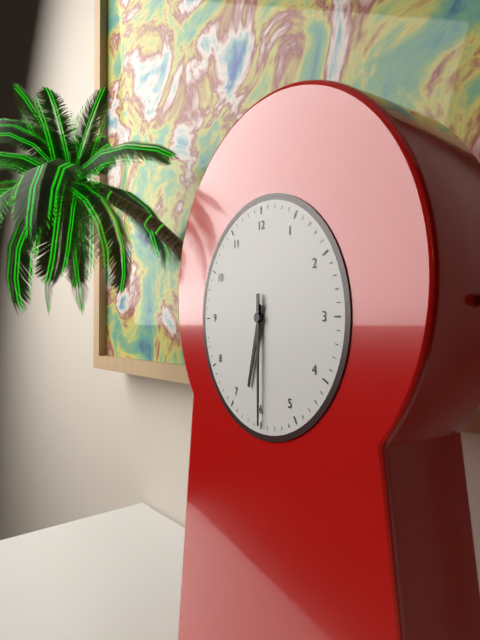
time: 6:30
